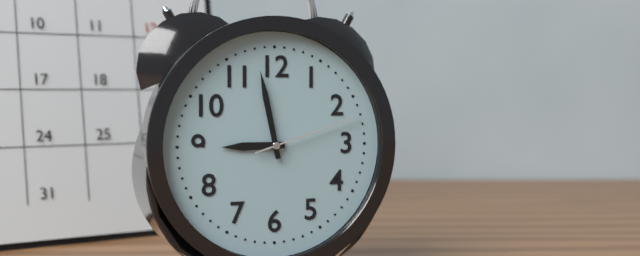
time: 8:58:12
